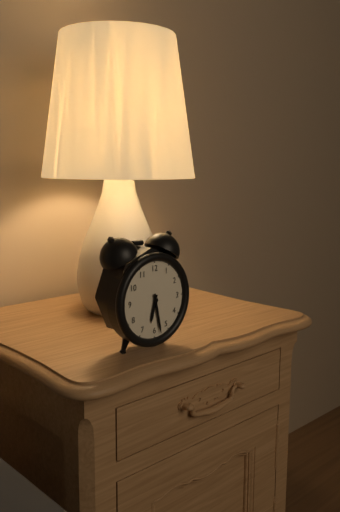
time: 6:28
